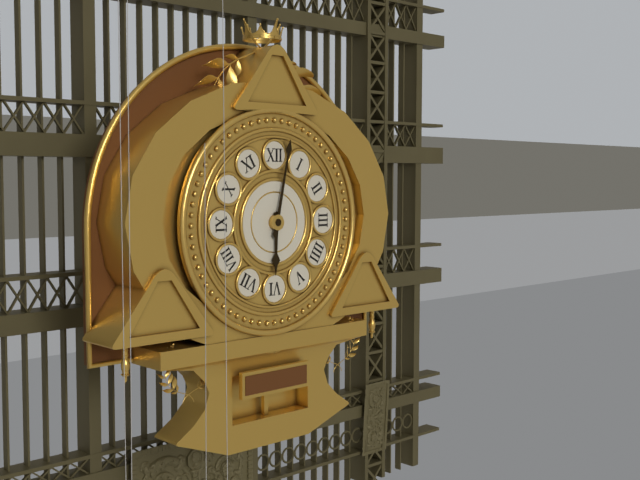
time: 6:02
